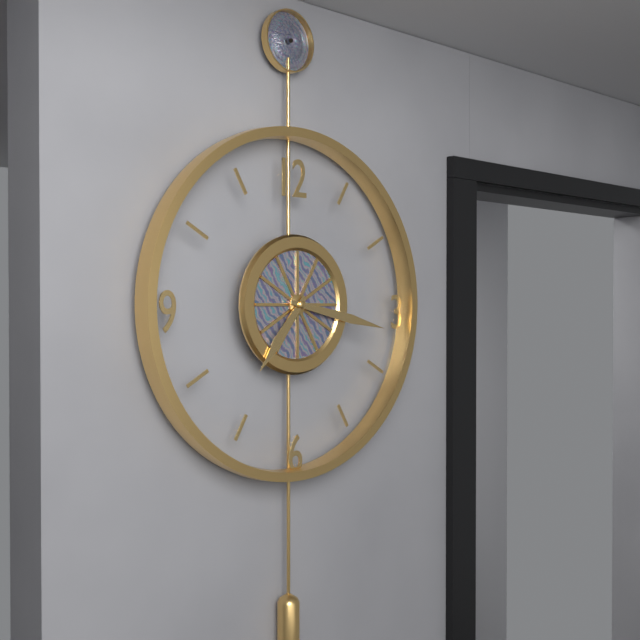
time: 7:17
